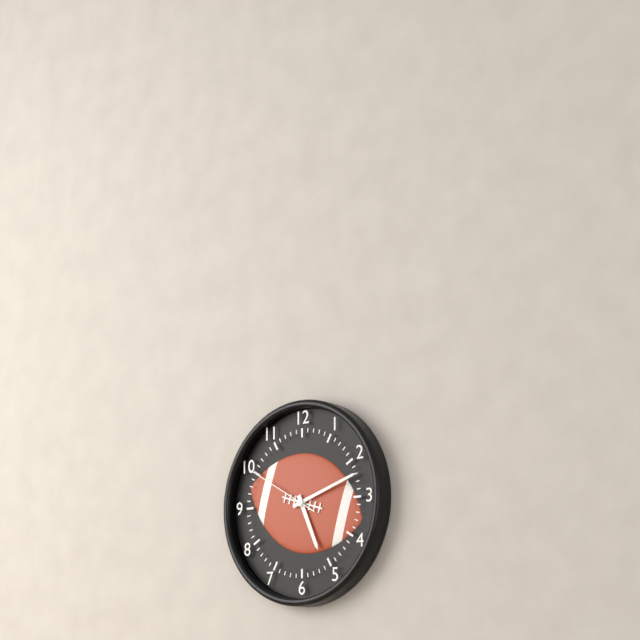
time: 5:12:50
